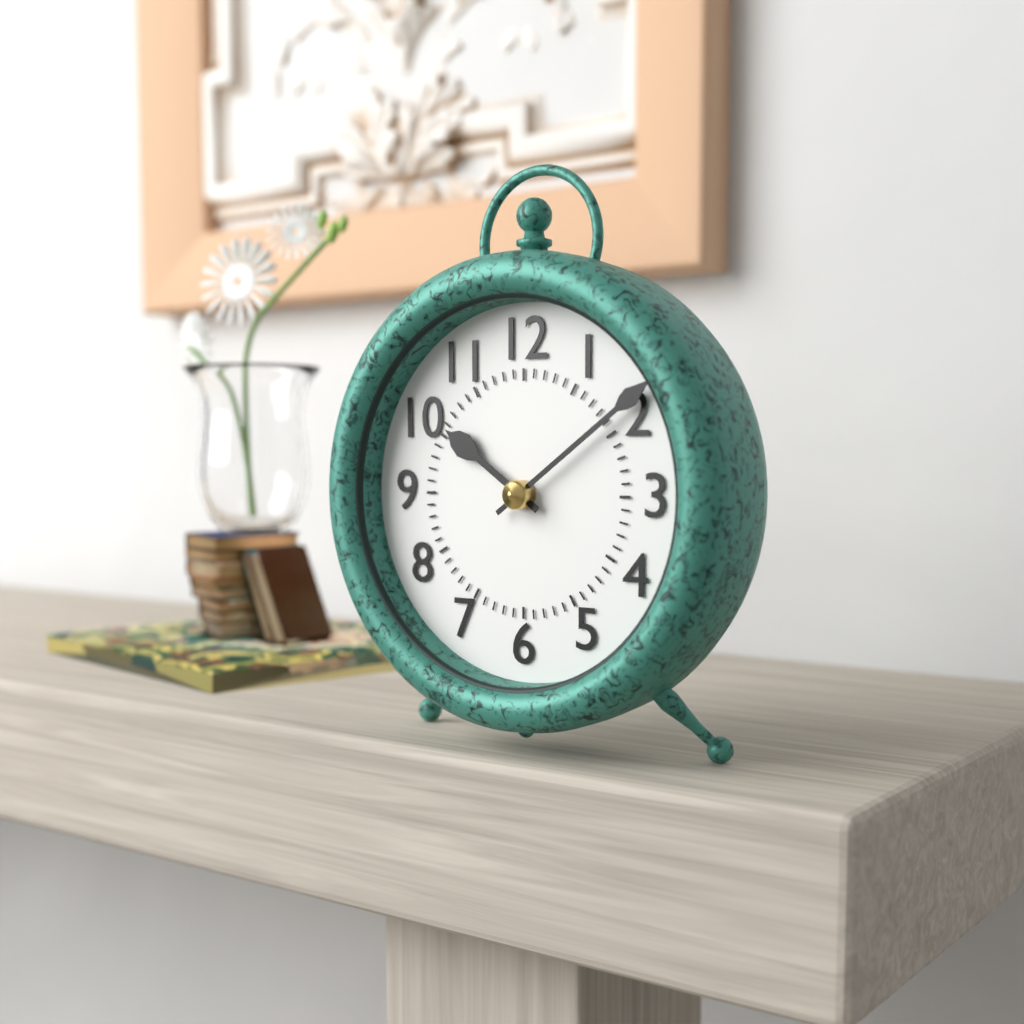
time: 10:09
